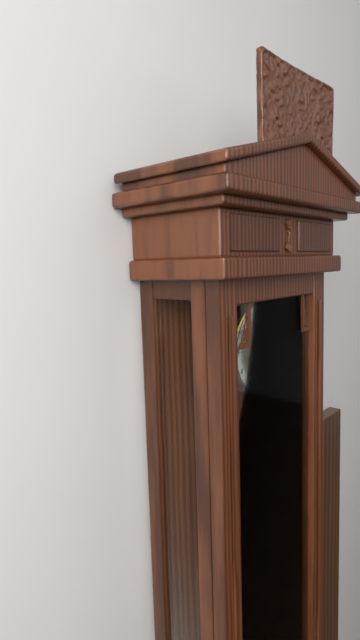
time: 4:01
